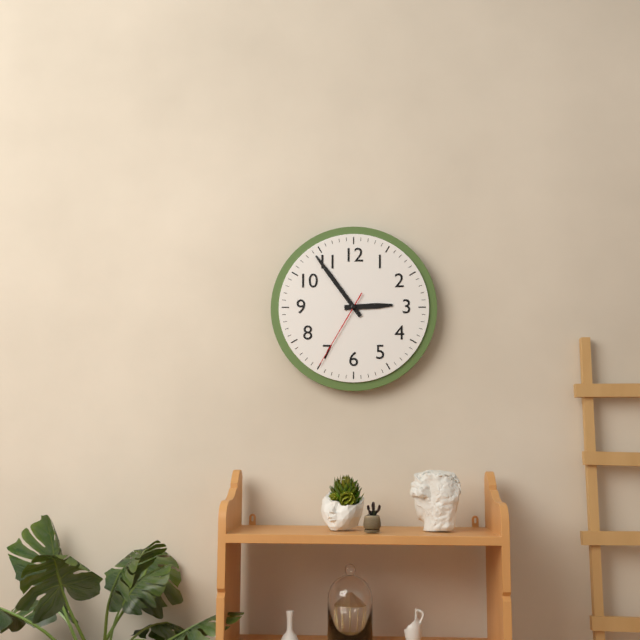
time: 2:54:35
